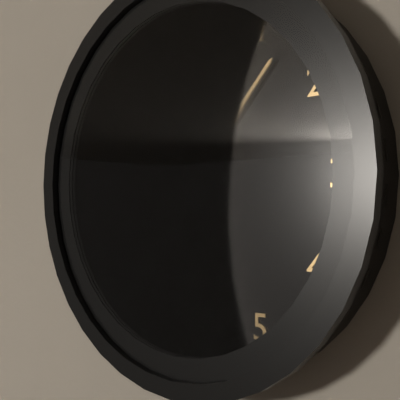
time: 10:07
